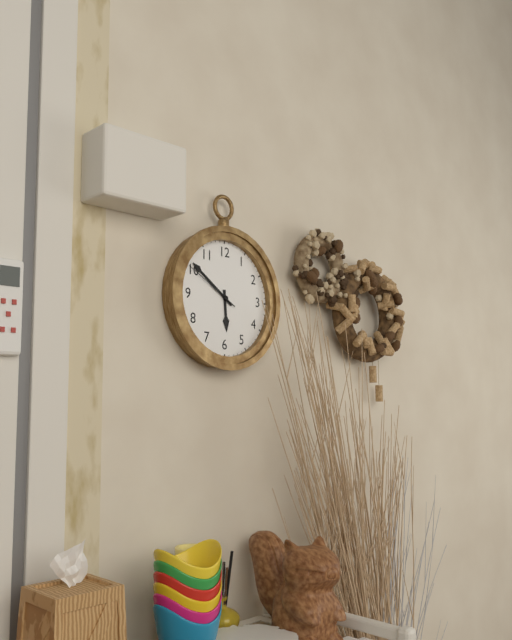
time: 5:51:50
